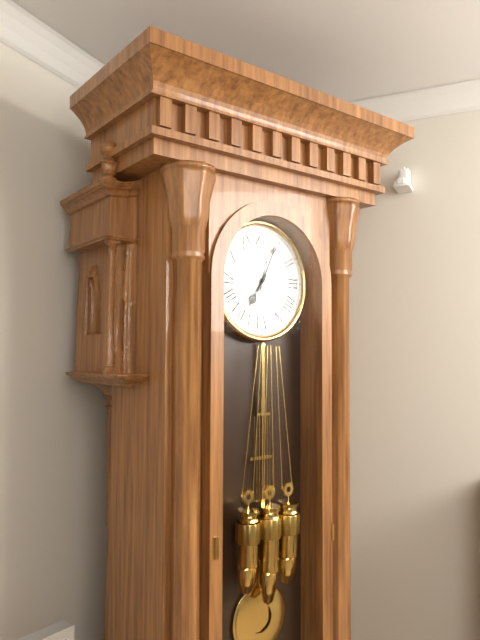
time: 7:04
